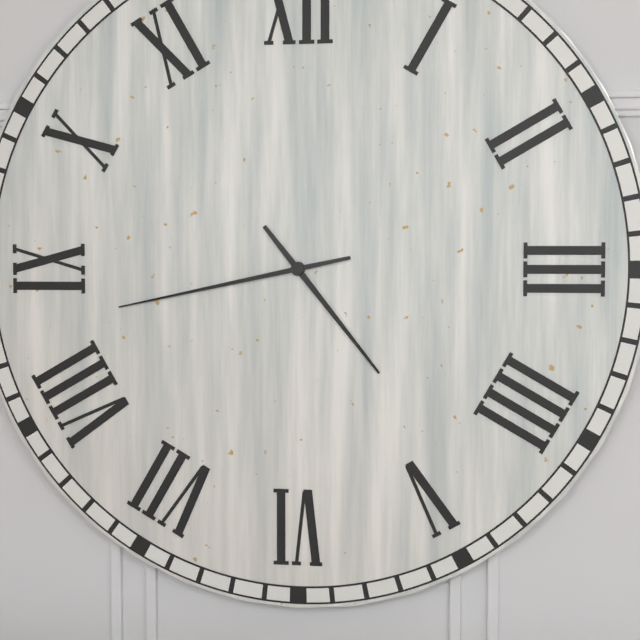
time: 4:43
